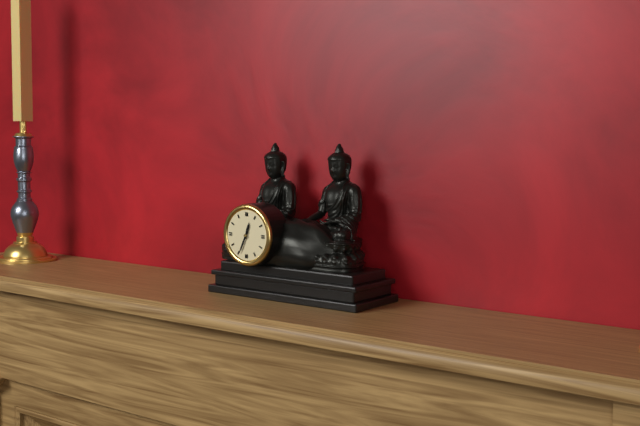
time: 12:34
